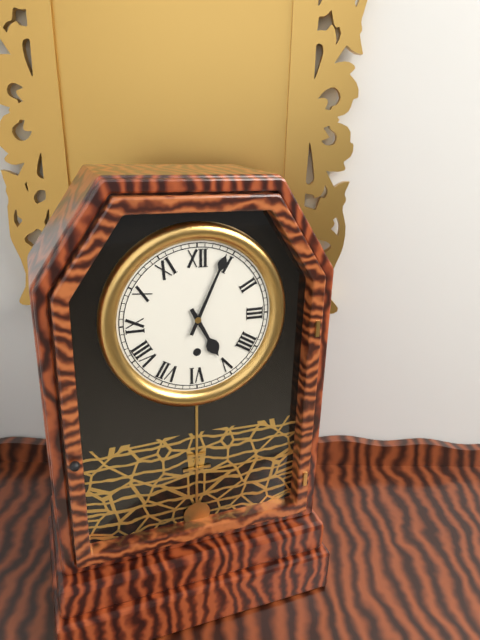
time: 5:04
